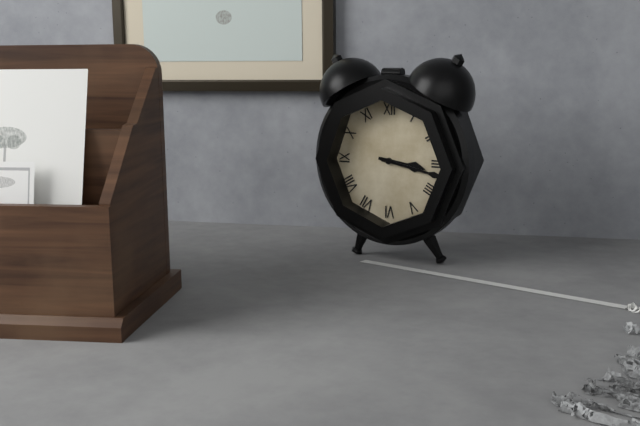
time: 3:17
